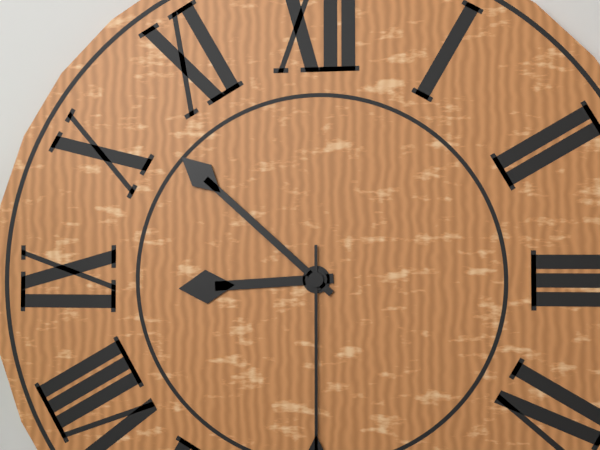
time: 8:52
